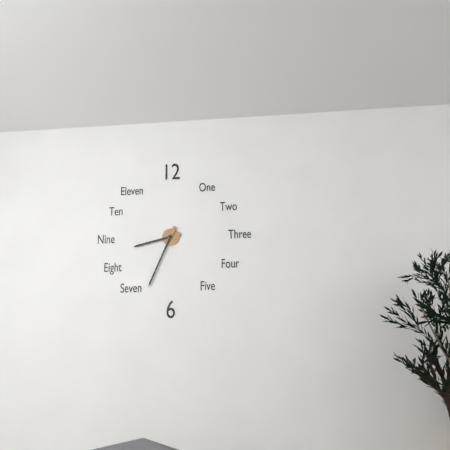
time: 8:34
